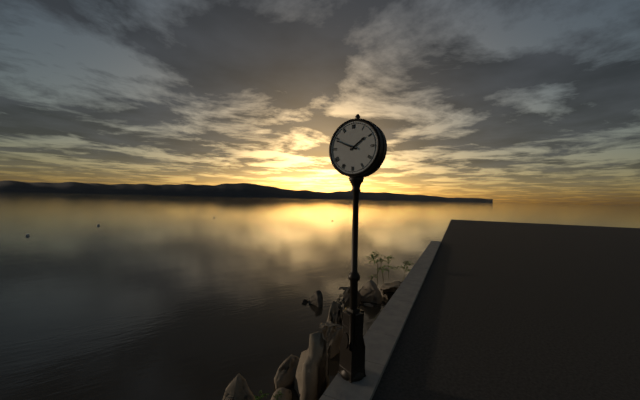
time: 1:49
